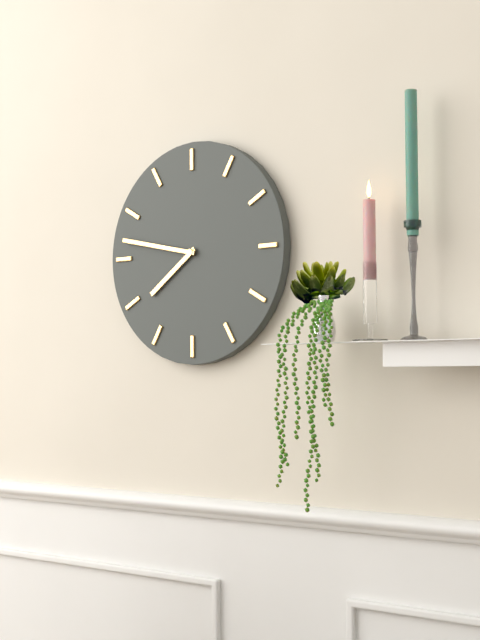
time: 7:47
